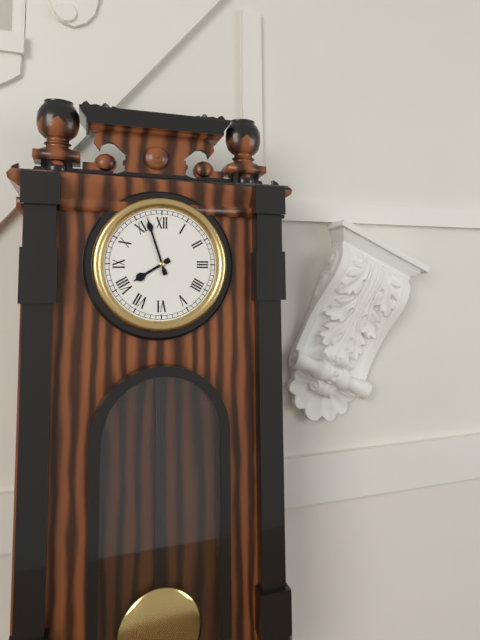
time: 7:57
